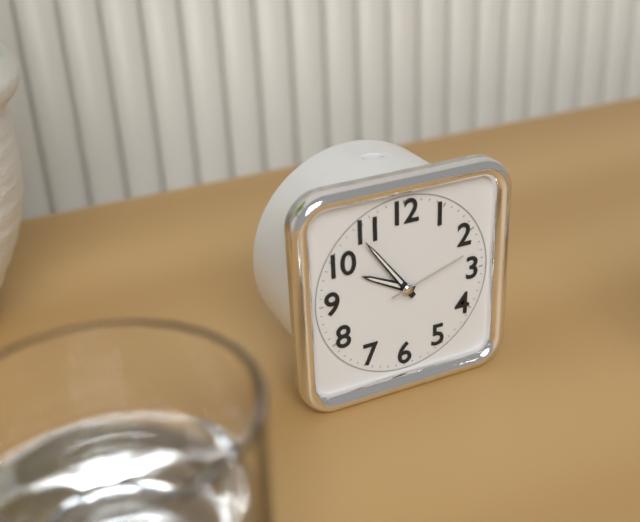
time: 9:54:12
